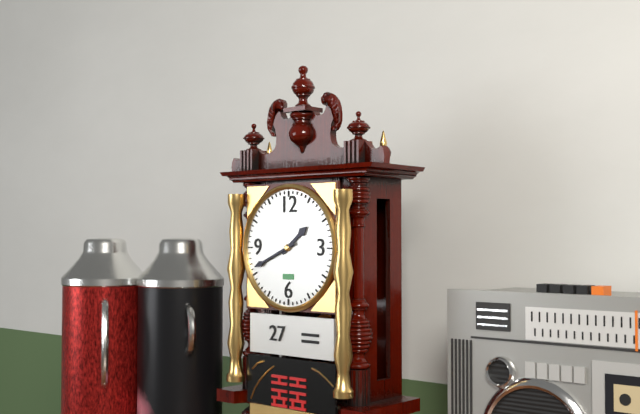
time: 1:41
